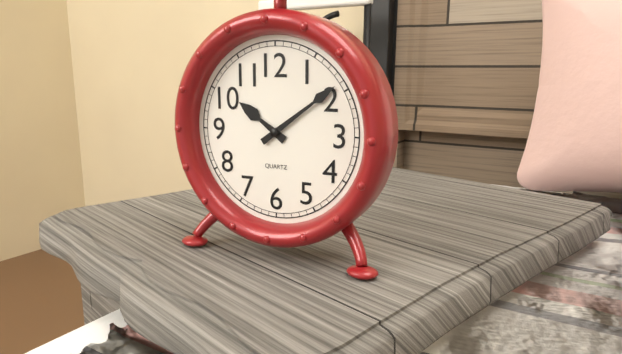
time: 10:09
